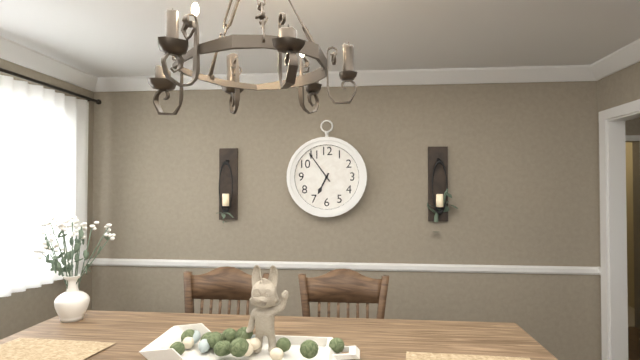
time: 6:54
